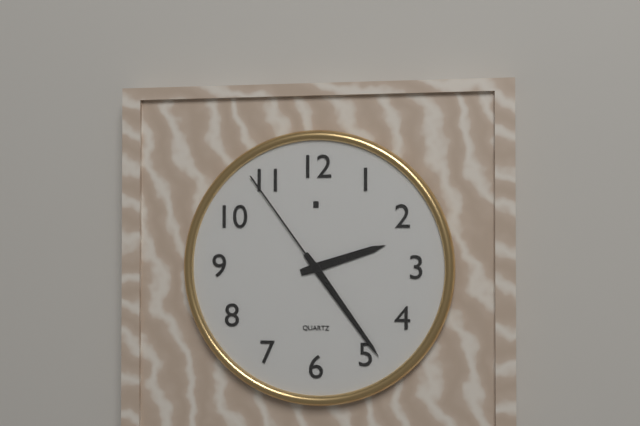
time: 2:24:54
